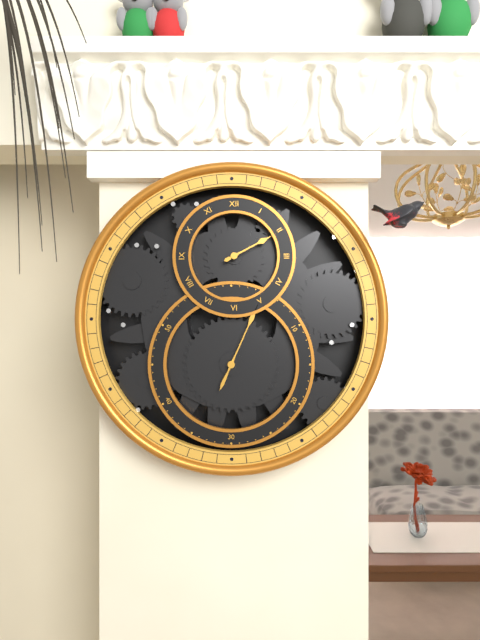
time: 2:04
